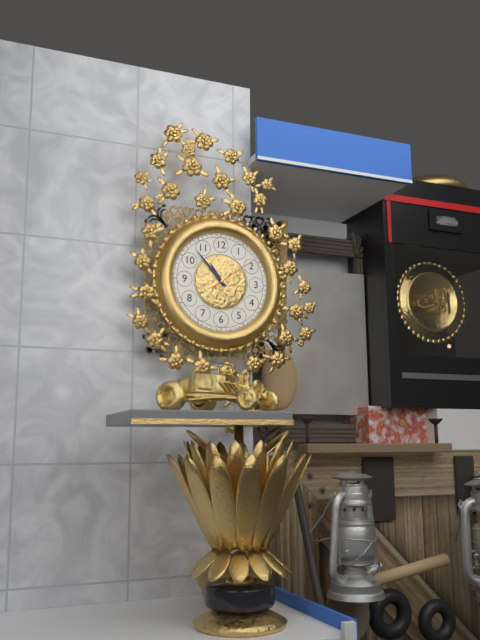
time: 10:53
